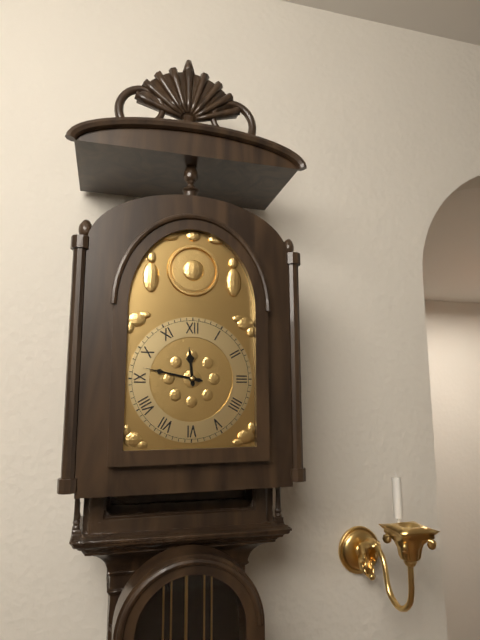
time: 11:47
